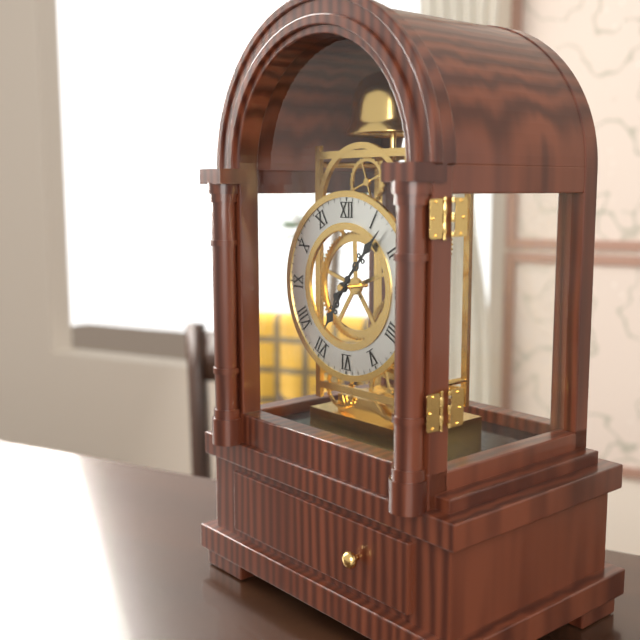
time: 7:07
